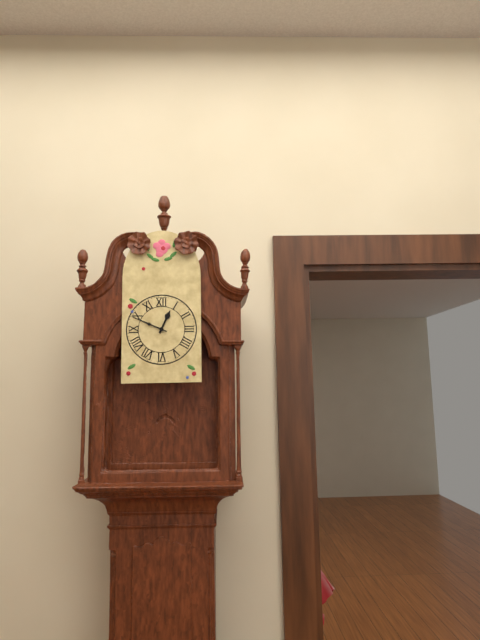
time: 12:49
